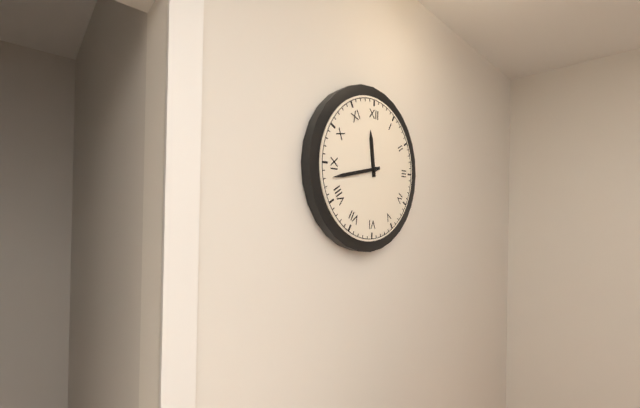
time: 11:43
